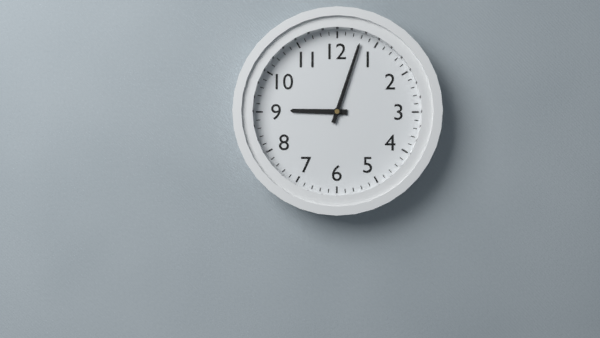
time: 9:03
